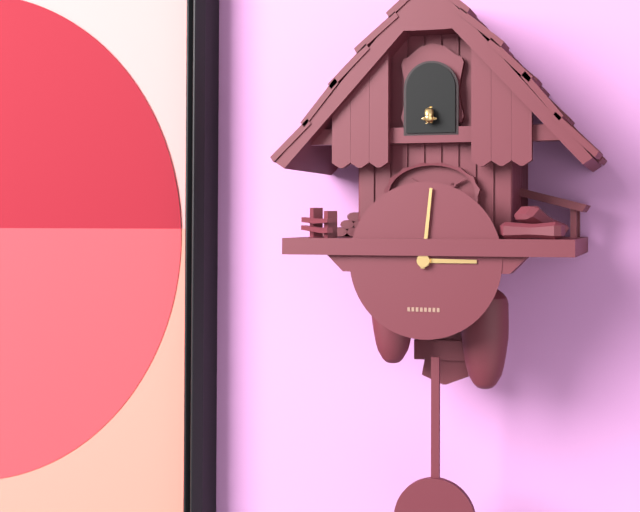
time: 3:01
